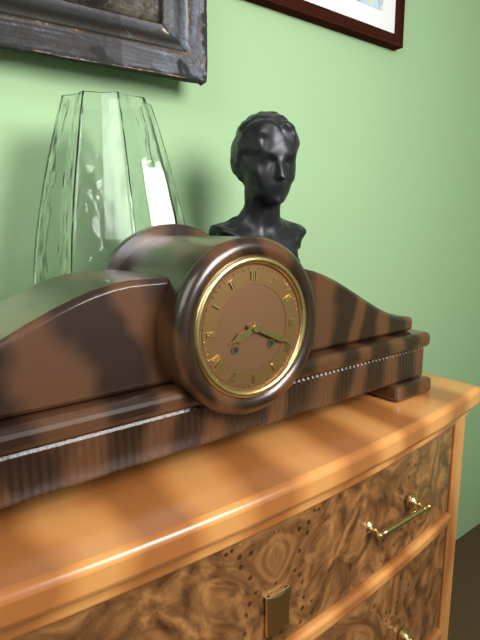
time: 8:19
